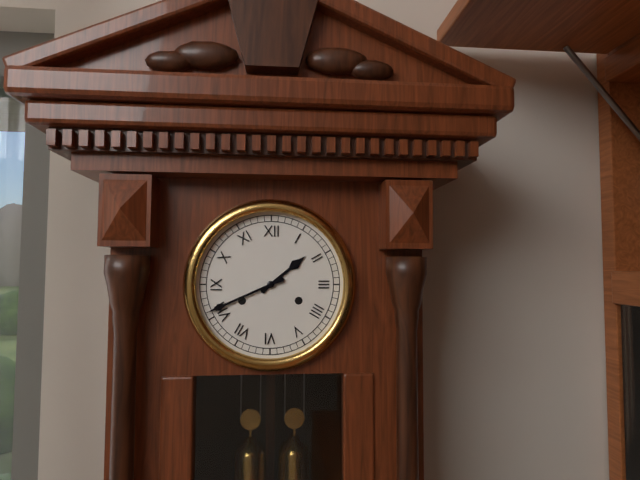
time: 1:41
